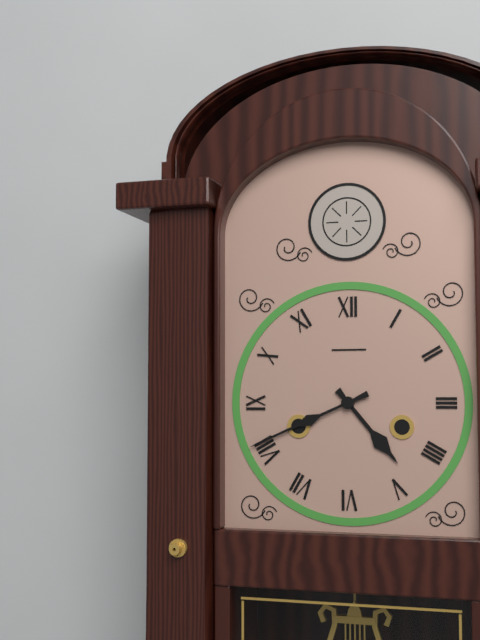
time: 4:41
